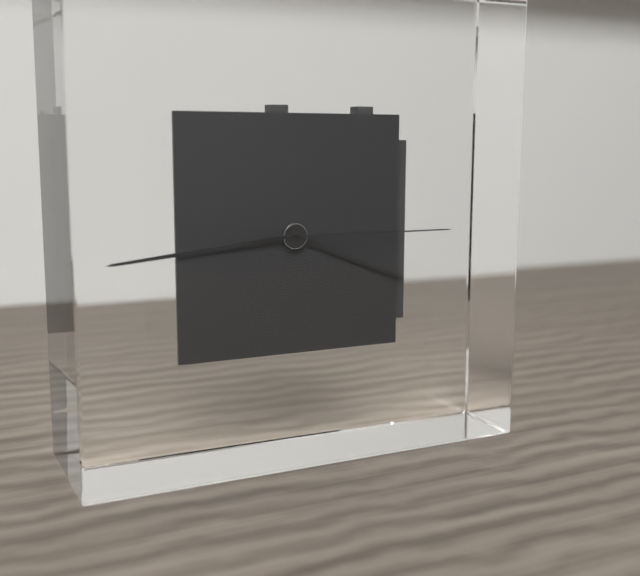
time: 3:44:15
